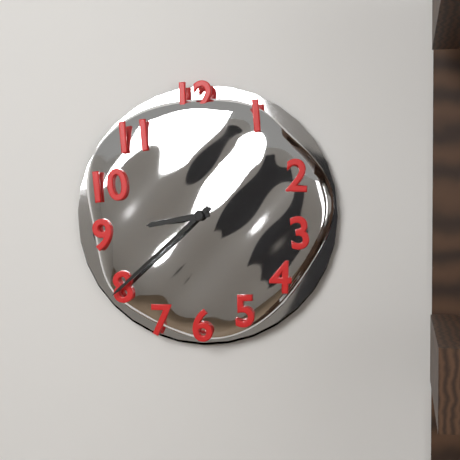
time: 8:38
